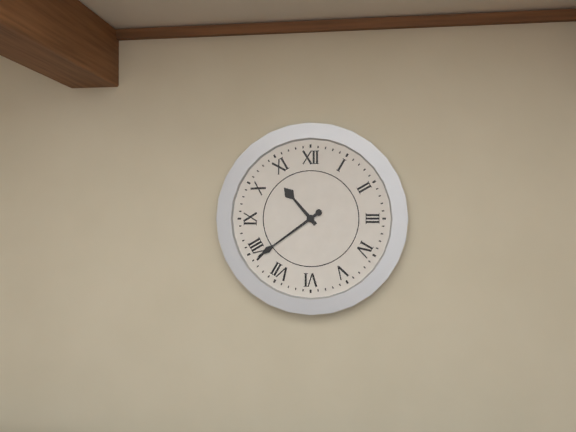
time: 10:39
